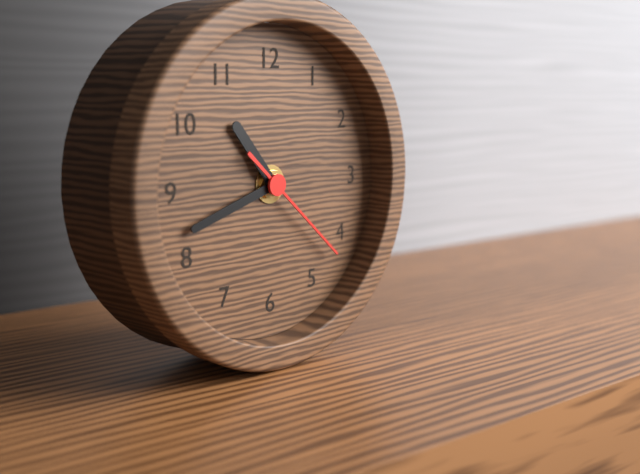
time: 10:42:22
